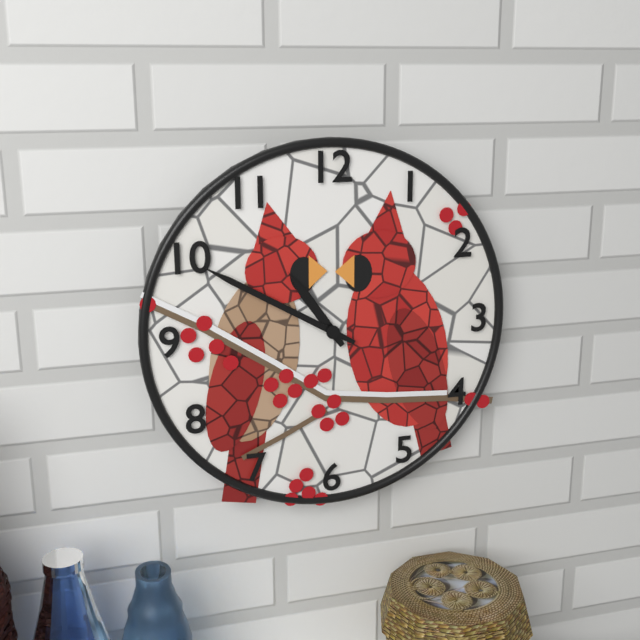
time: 10:50
